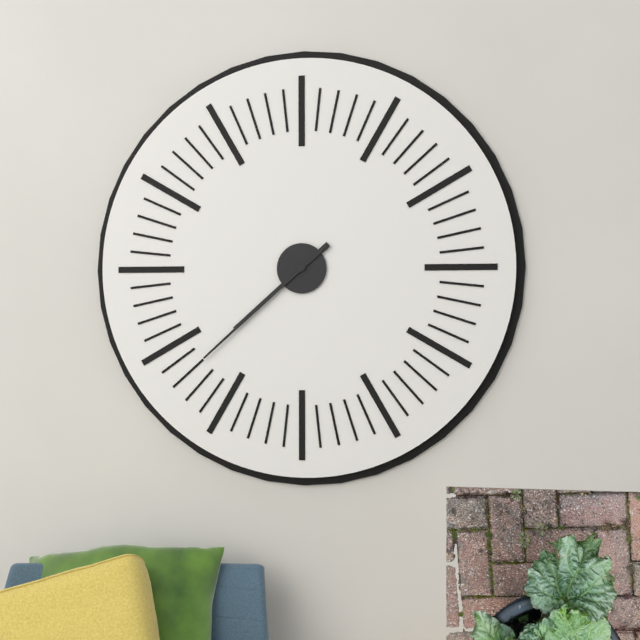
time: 7:38
